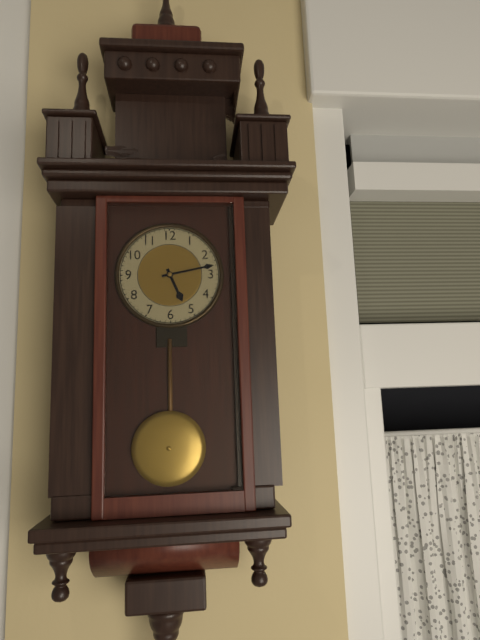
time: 5:13
